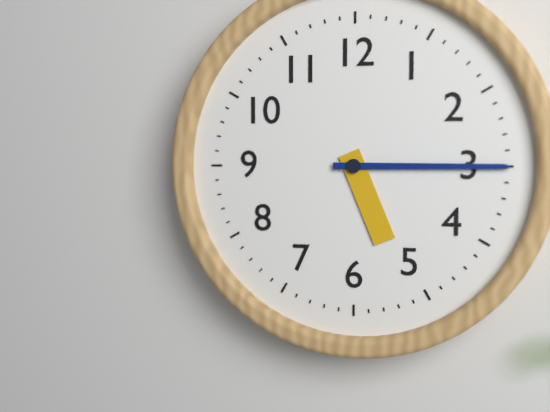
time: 5:15
